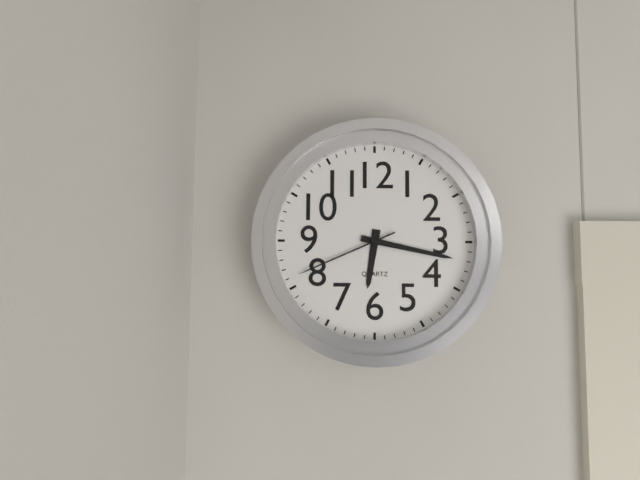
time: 6:17:41
